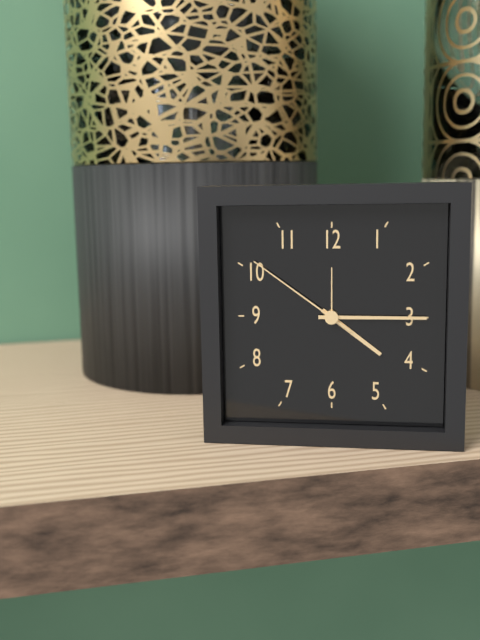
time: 4:15:51
